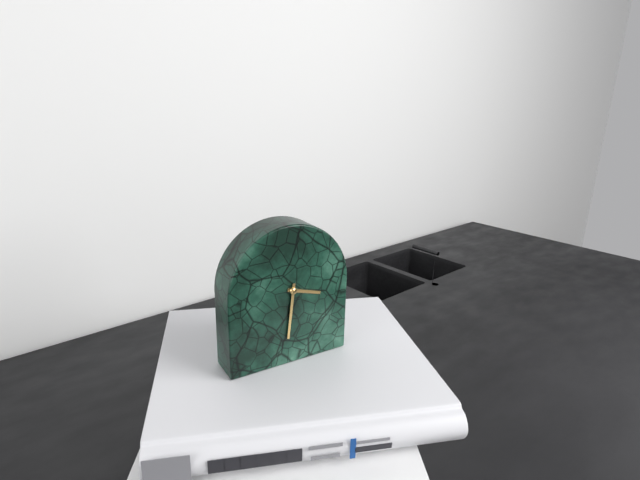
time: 3:31
